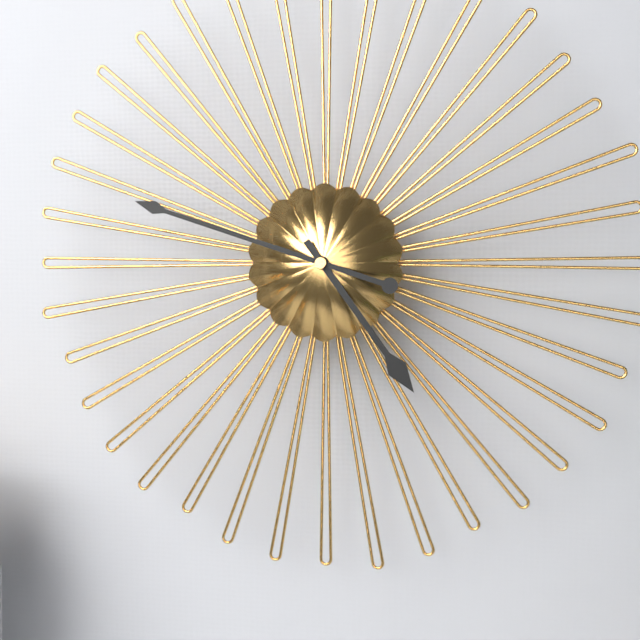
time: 4:48
